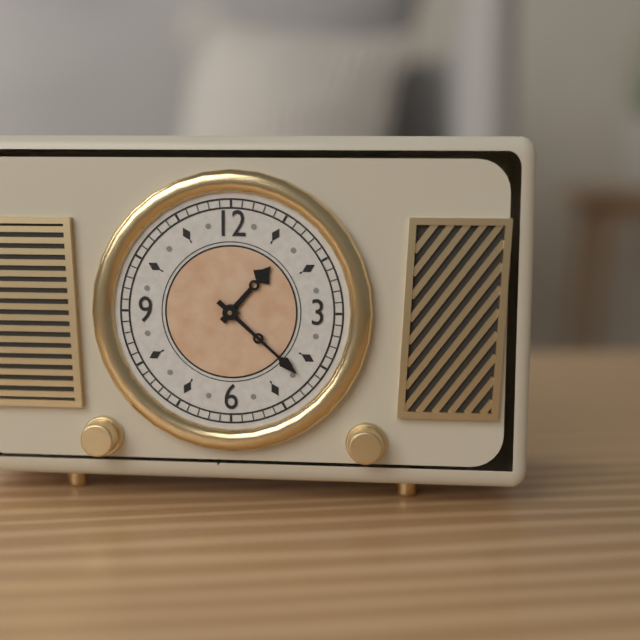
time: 1:22
